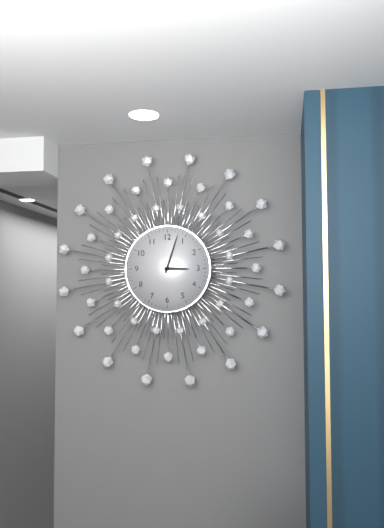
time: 3:03
